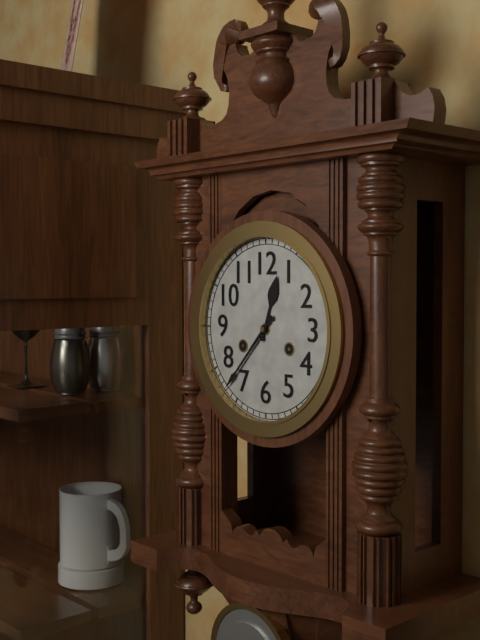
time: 12:37
